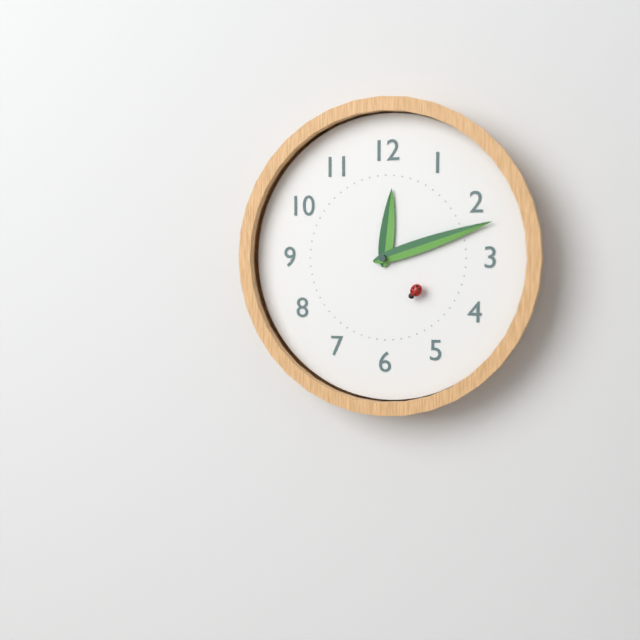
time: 12:12:22
